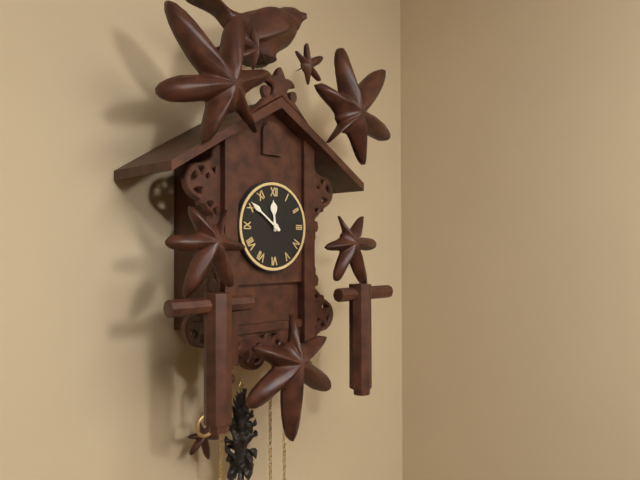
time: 11:51
